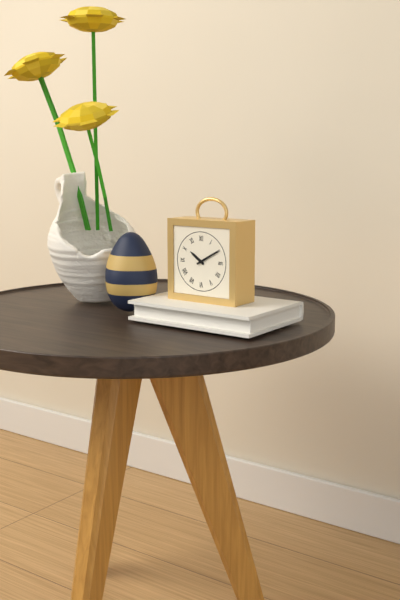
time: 10:10
